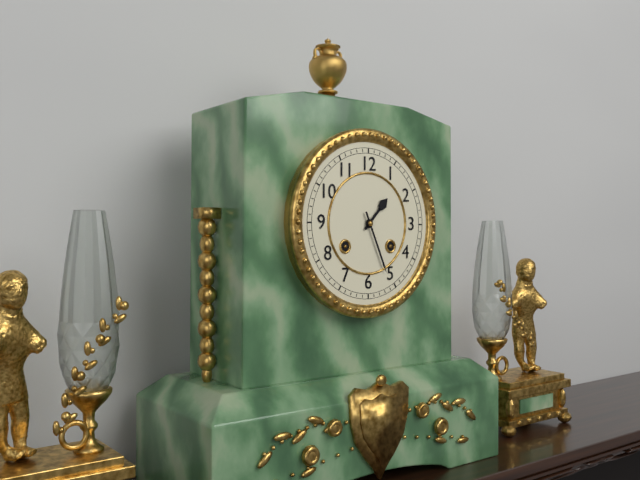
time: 1:26
